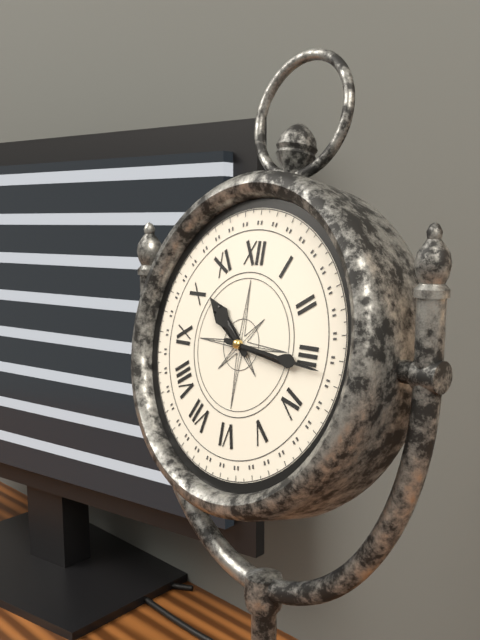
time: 10:16
